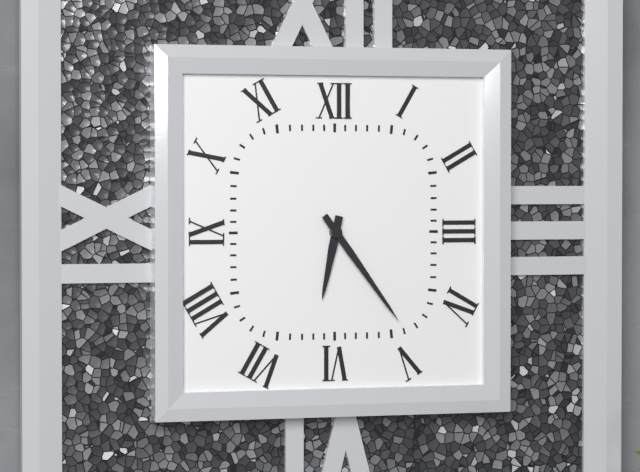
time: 6:24
